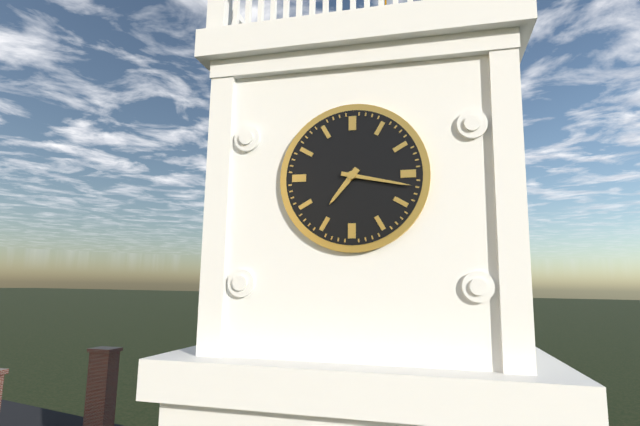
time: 7:17
